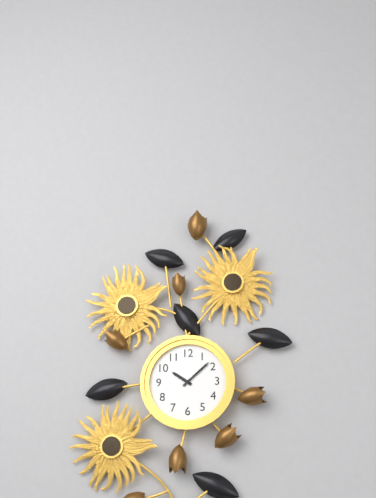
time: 10:08
